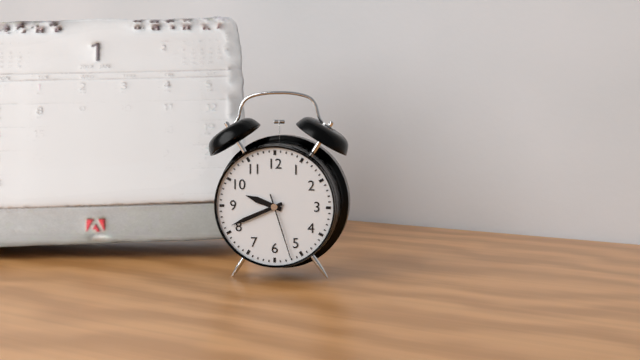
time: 9:41:27
